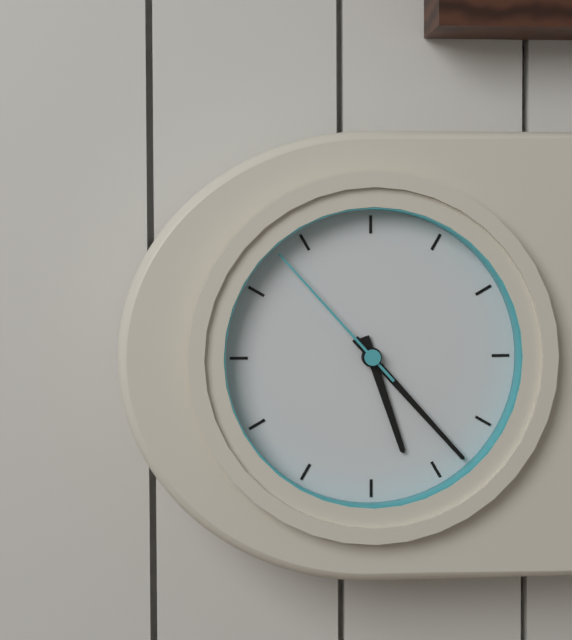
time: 5:23:53
